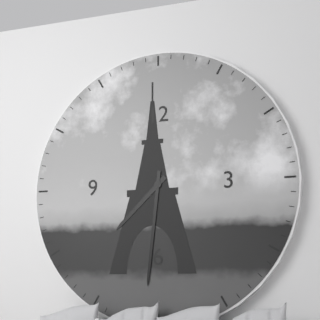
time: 7:31
